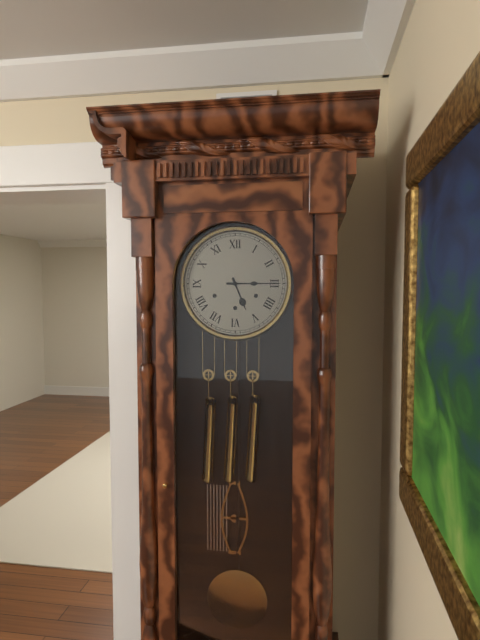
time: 5:15
